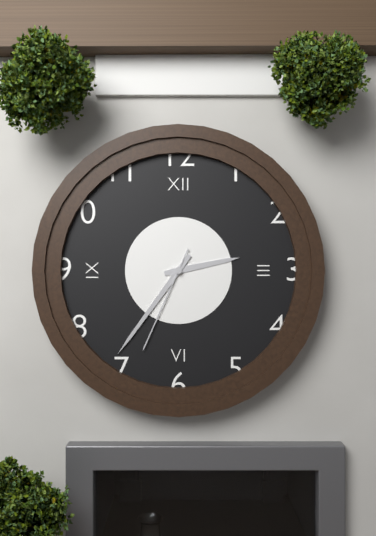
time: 2:36:34
